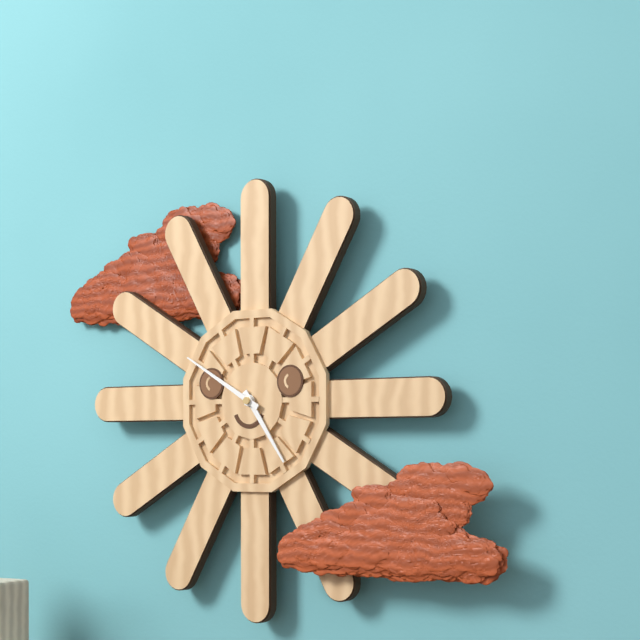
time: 4:50
